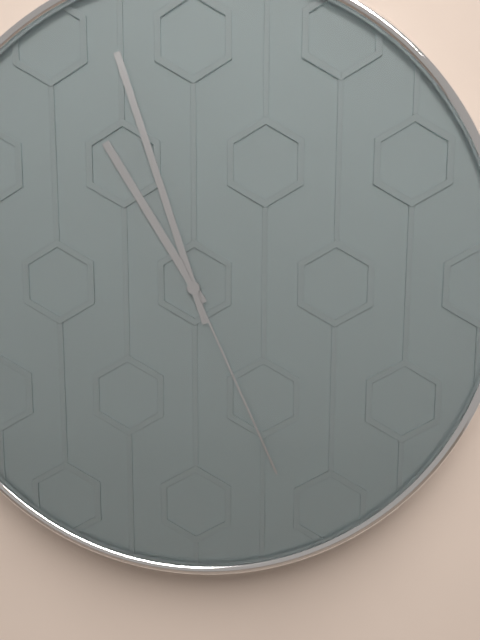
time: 10:57:26
